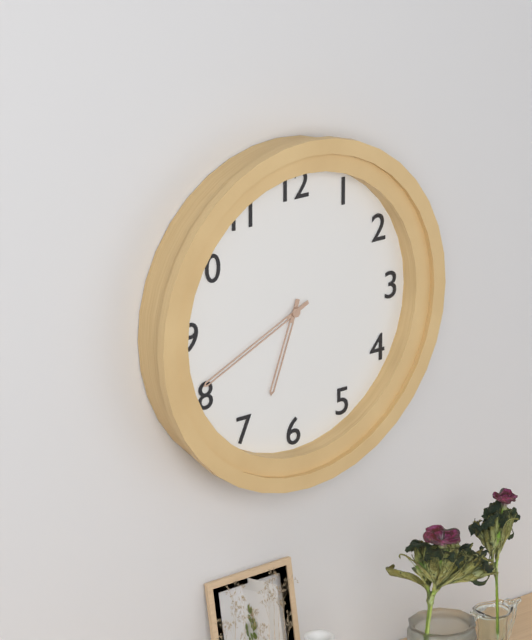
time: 6:41
